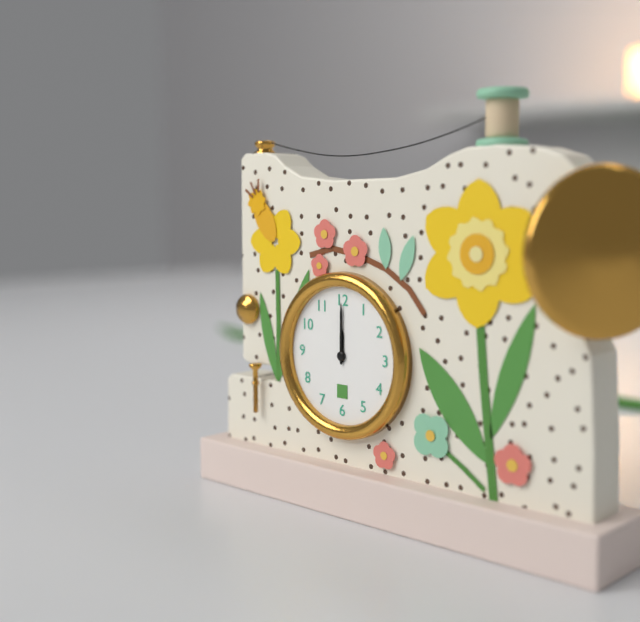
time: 12:00
